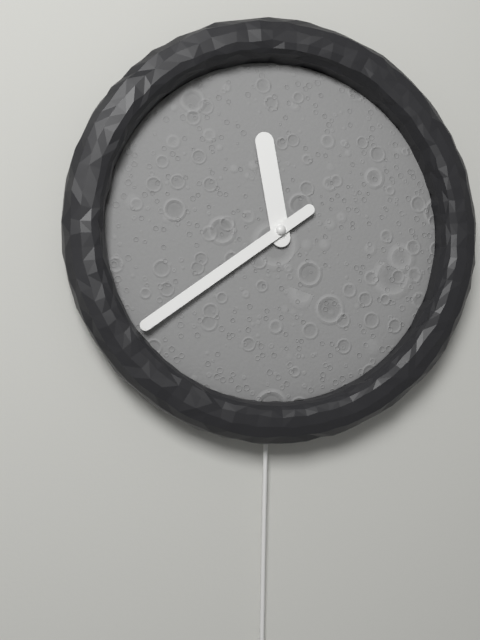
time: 11:39
